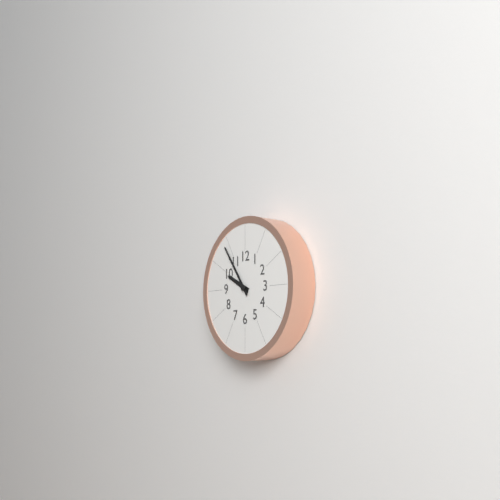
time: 9:54
